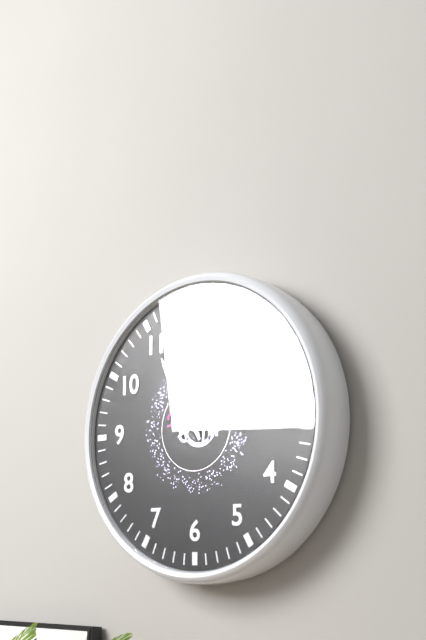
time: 10:55:11
